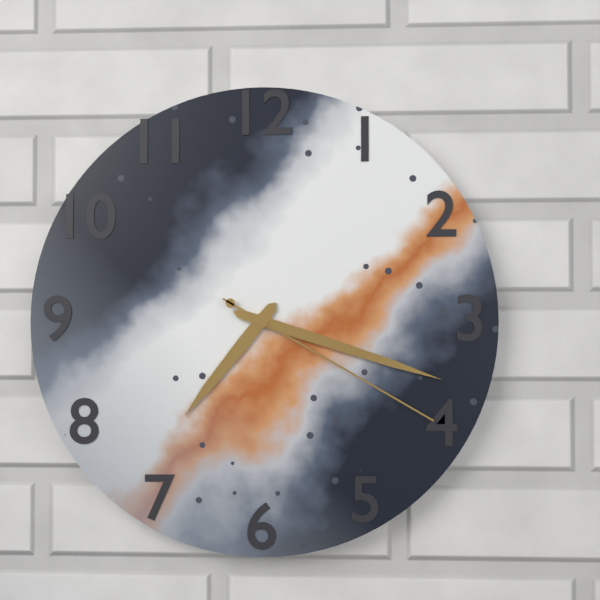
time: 7:18:20
